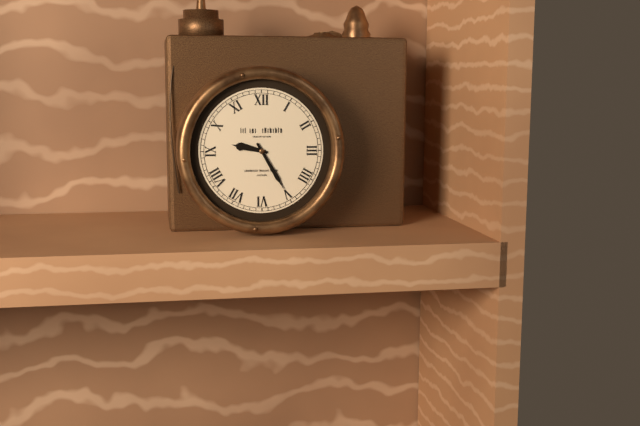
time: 9:25
